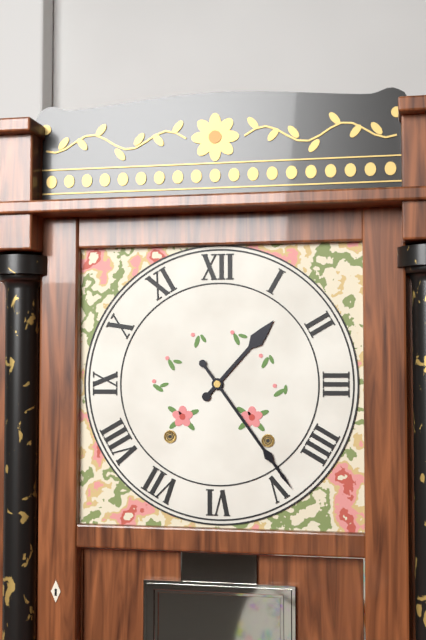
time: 1:24
